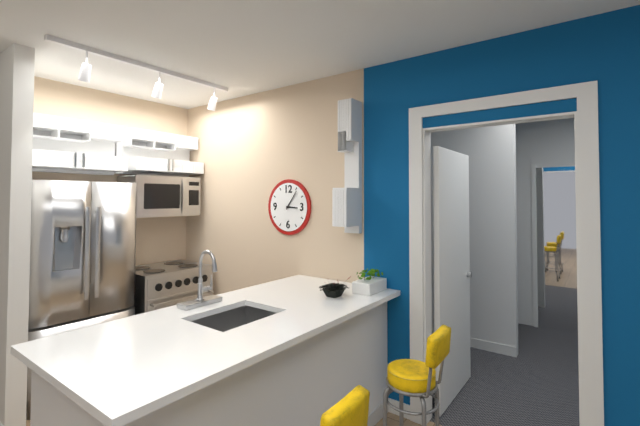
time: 3:06
